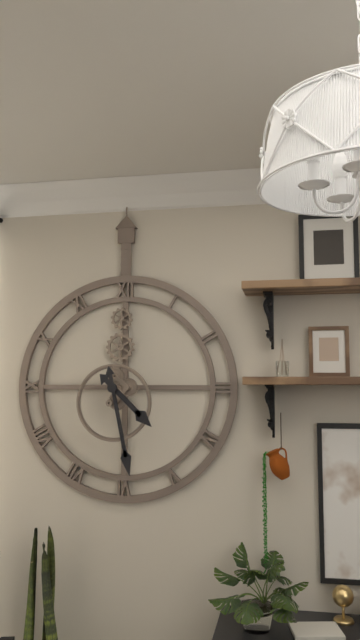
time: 4:28
